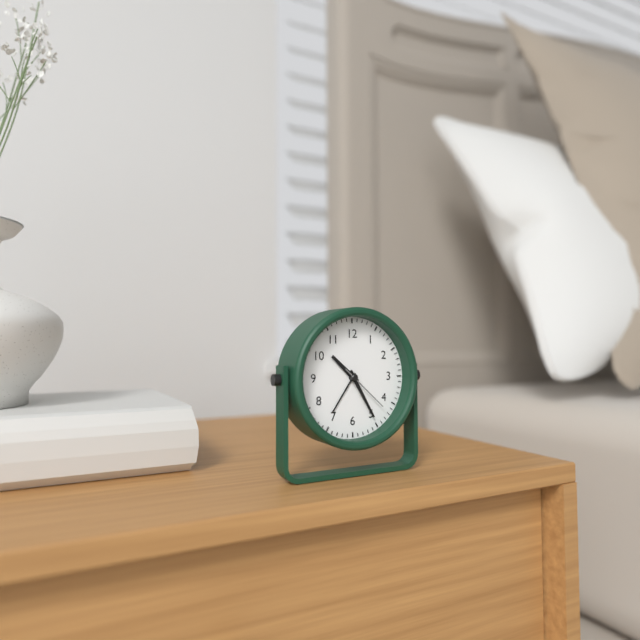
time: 10:25:22
